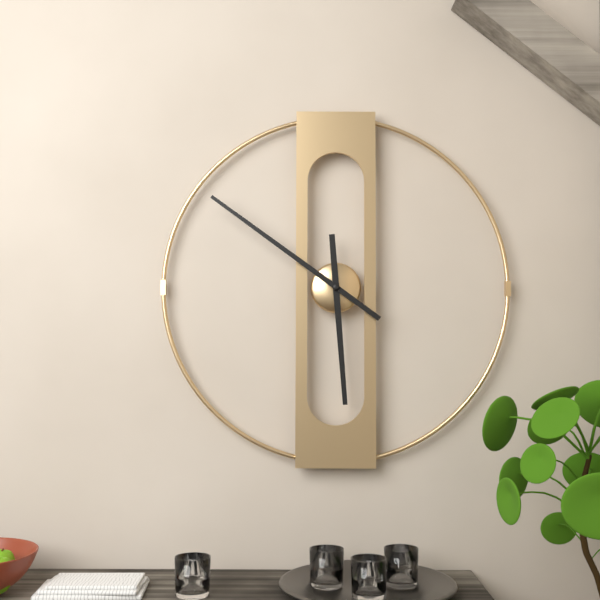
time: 5:51
